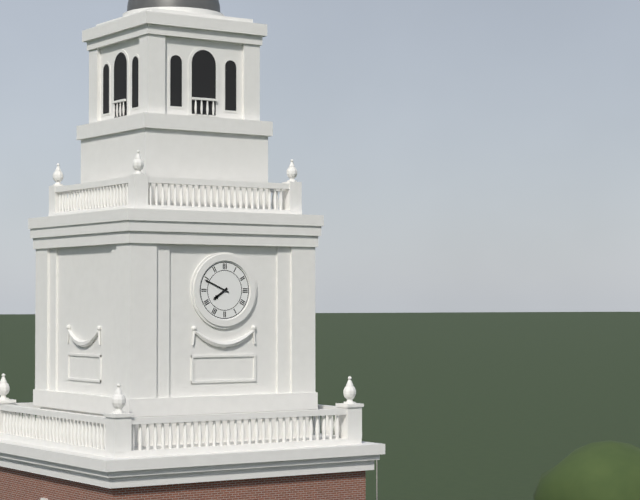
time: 7:49
